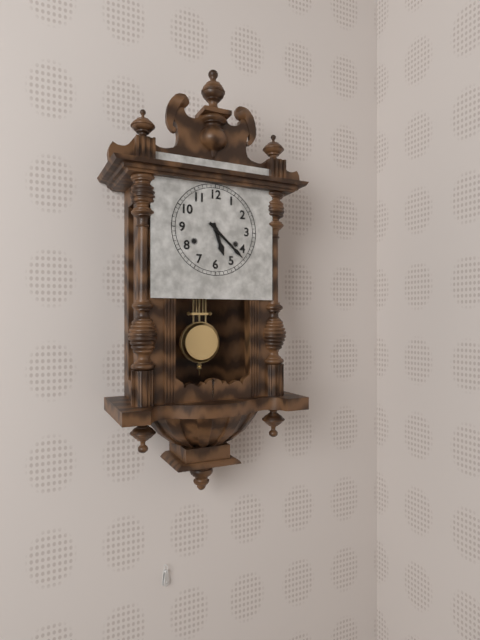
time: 5:22
